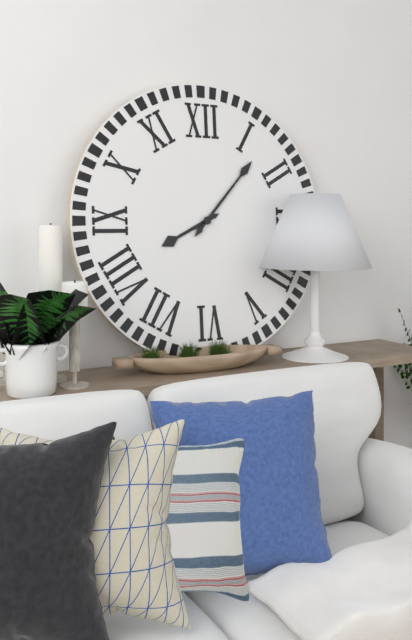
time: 8:07
